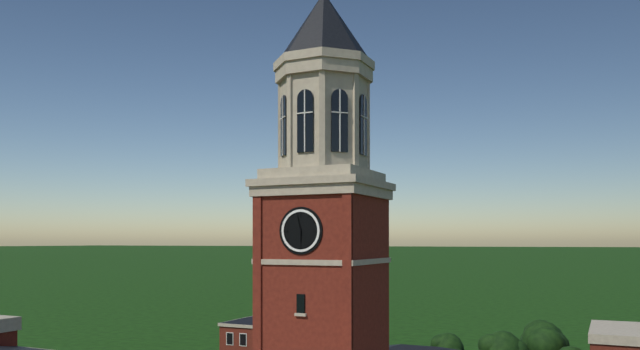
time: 5:58
